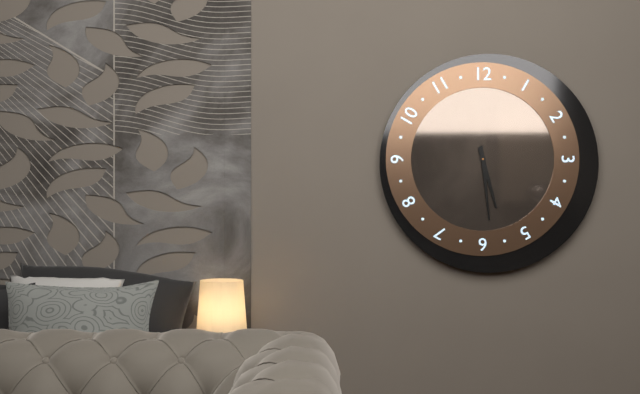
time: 5:29
